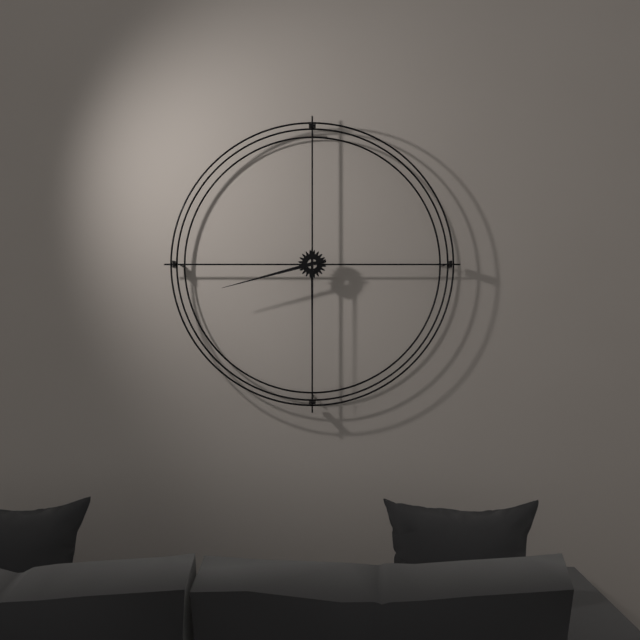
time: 8:30
